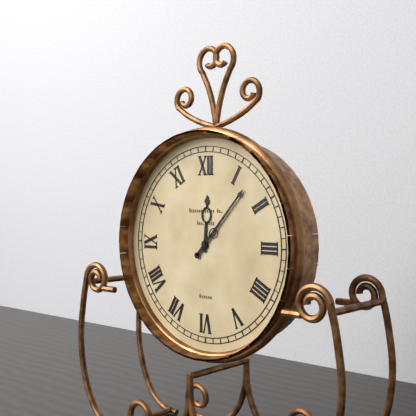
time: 12:07
